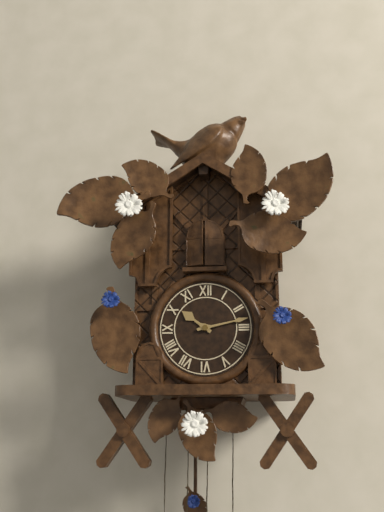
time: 10:13
